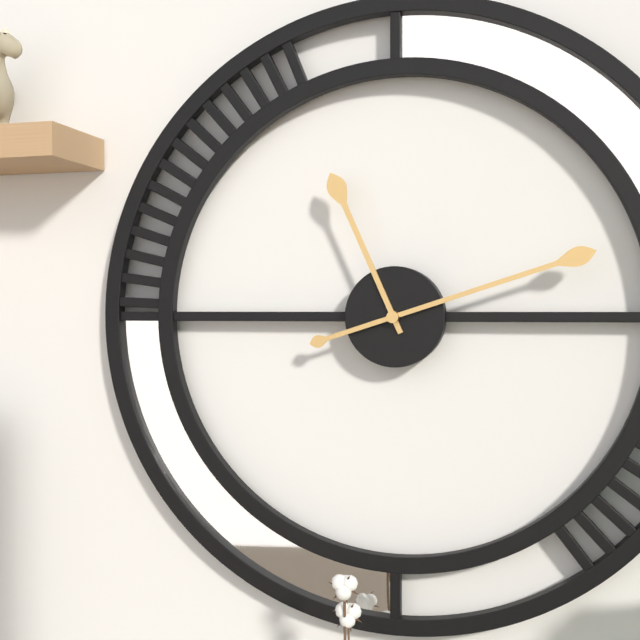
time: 11:12
